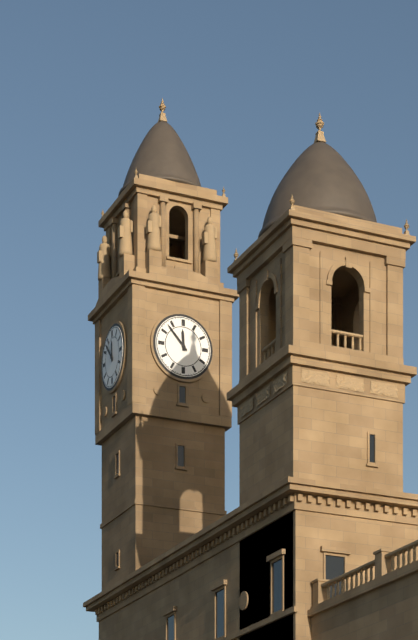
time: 11:53
